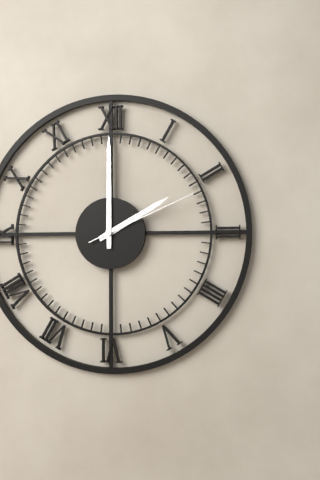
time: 2:00:11
